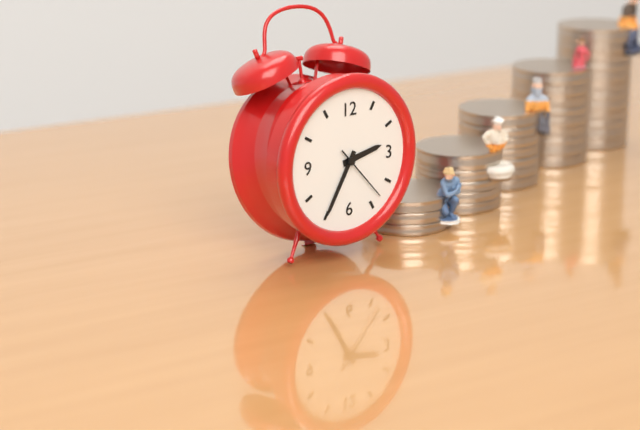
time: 2:35:23
